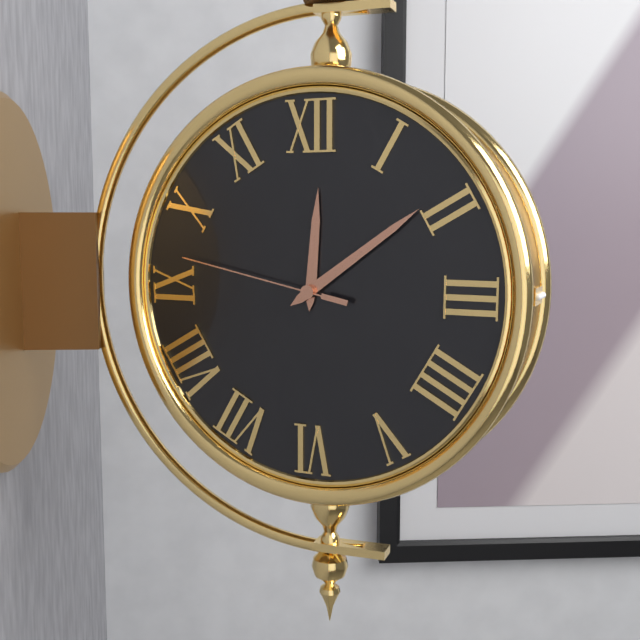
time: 12:09:47
